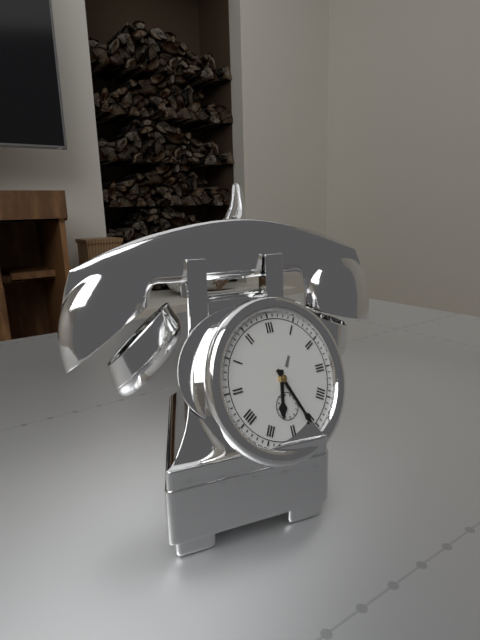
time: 6:26
